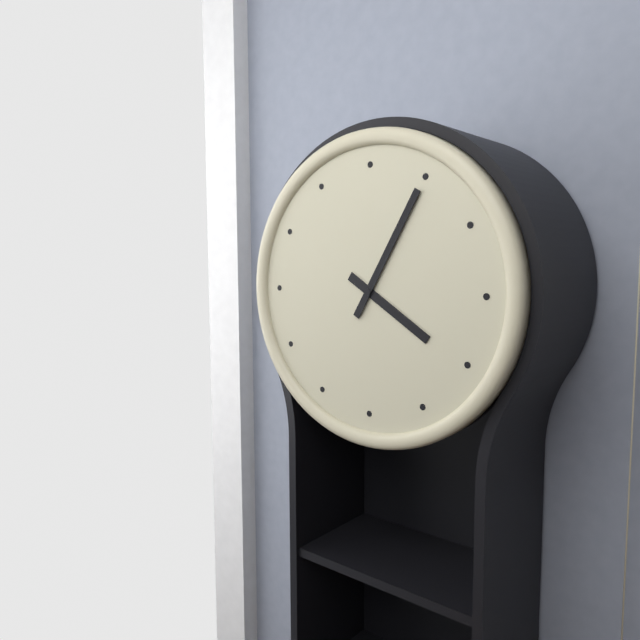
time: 4:05
